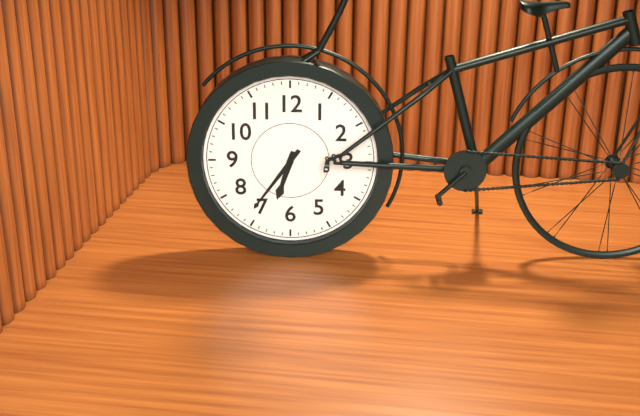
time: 6:36
